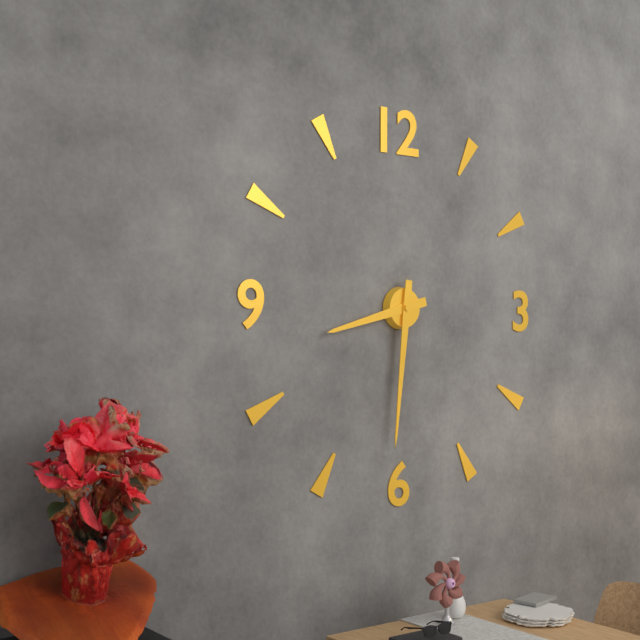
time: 8:31
